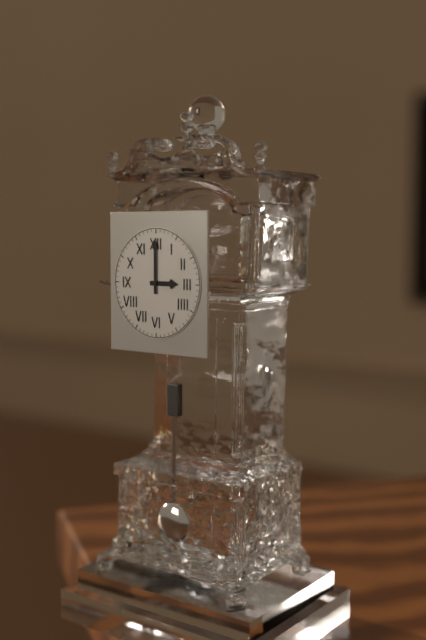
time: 3:00
